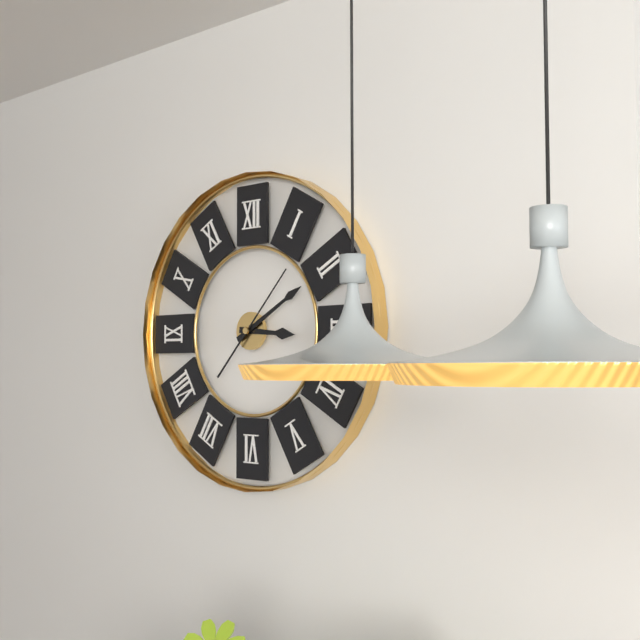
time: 3:10:07
